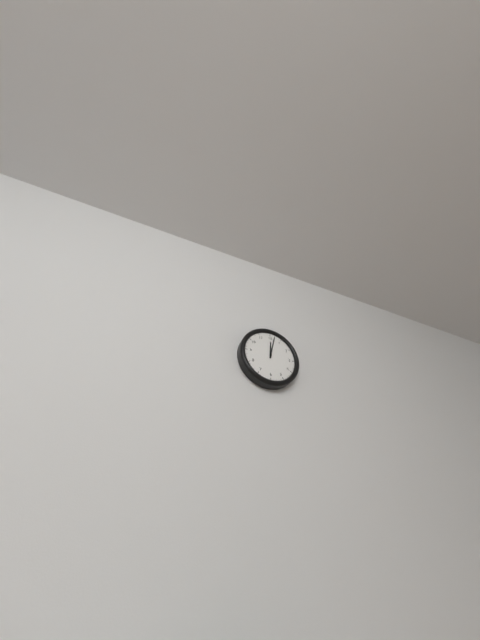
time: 12:02
